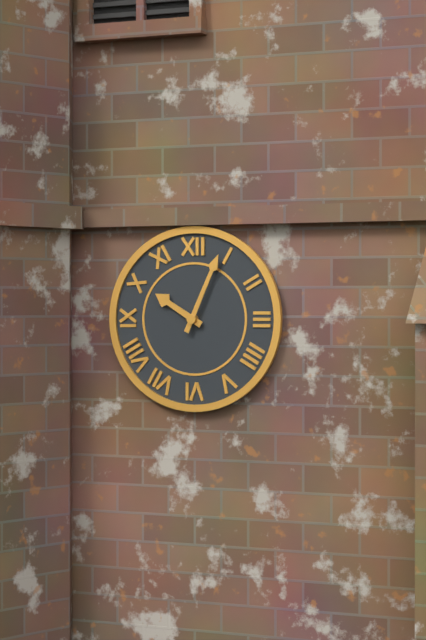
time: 10:04
